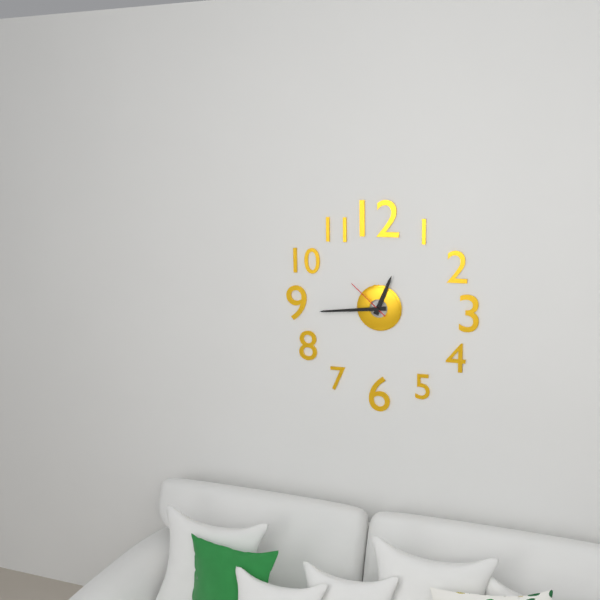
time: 12:44
